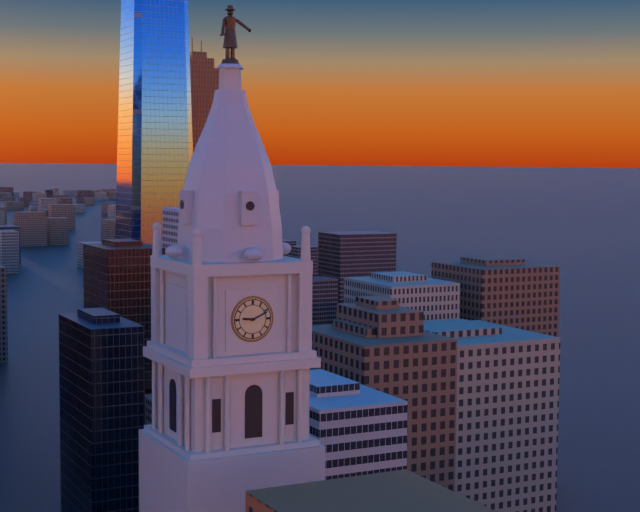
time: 9:11
